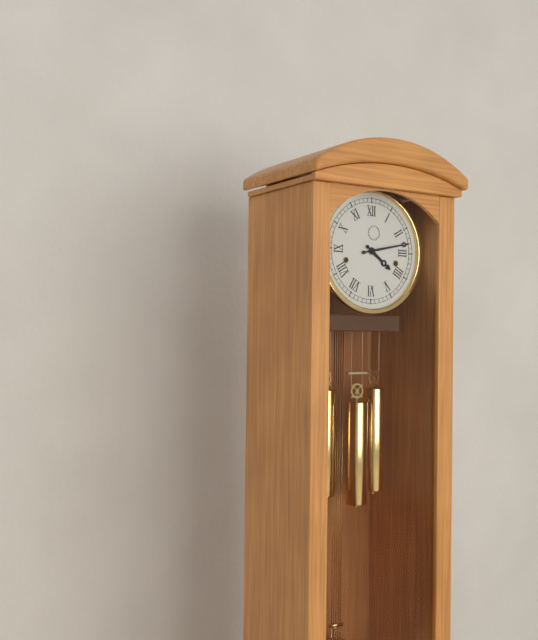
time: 4:13
